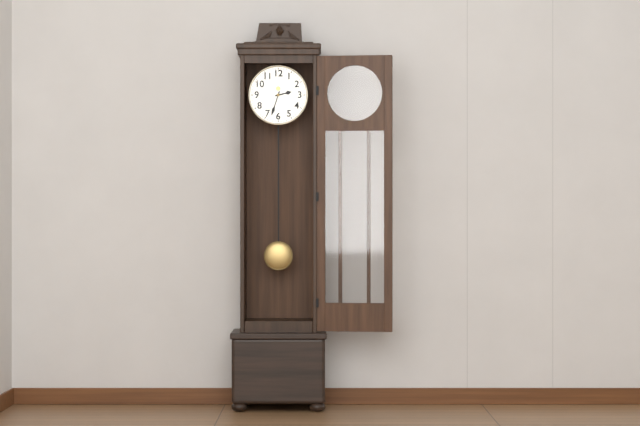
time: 2:33
